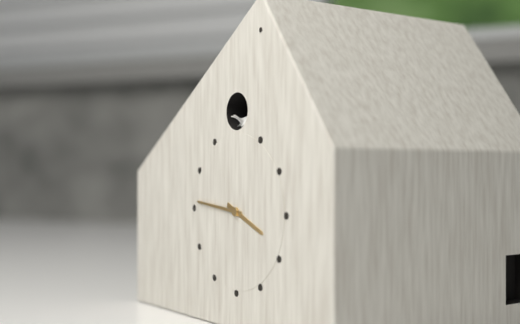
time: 3:46
